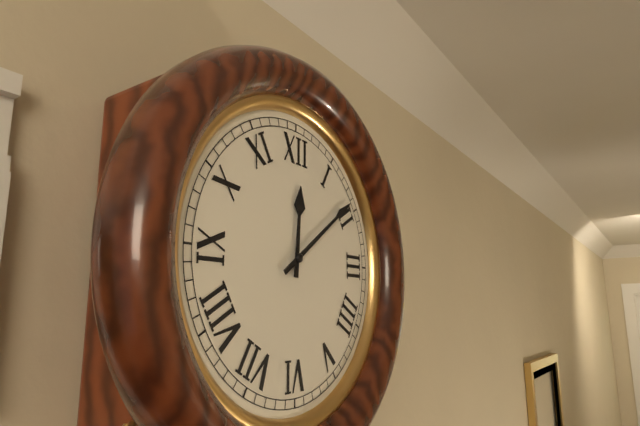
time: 12:09
